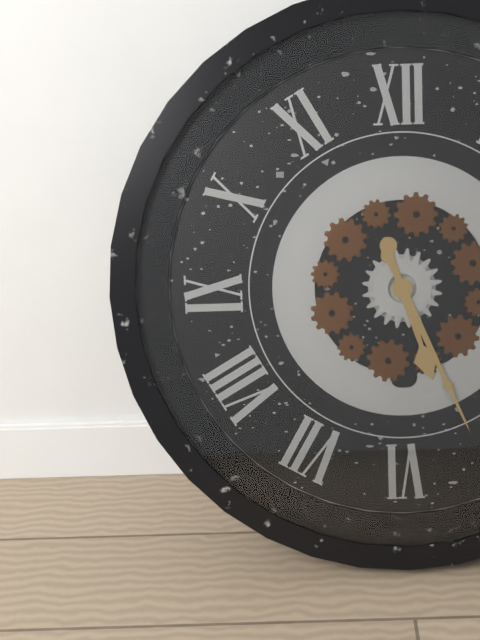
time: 5:26
